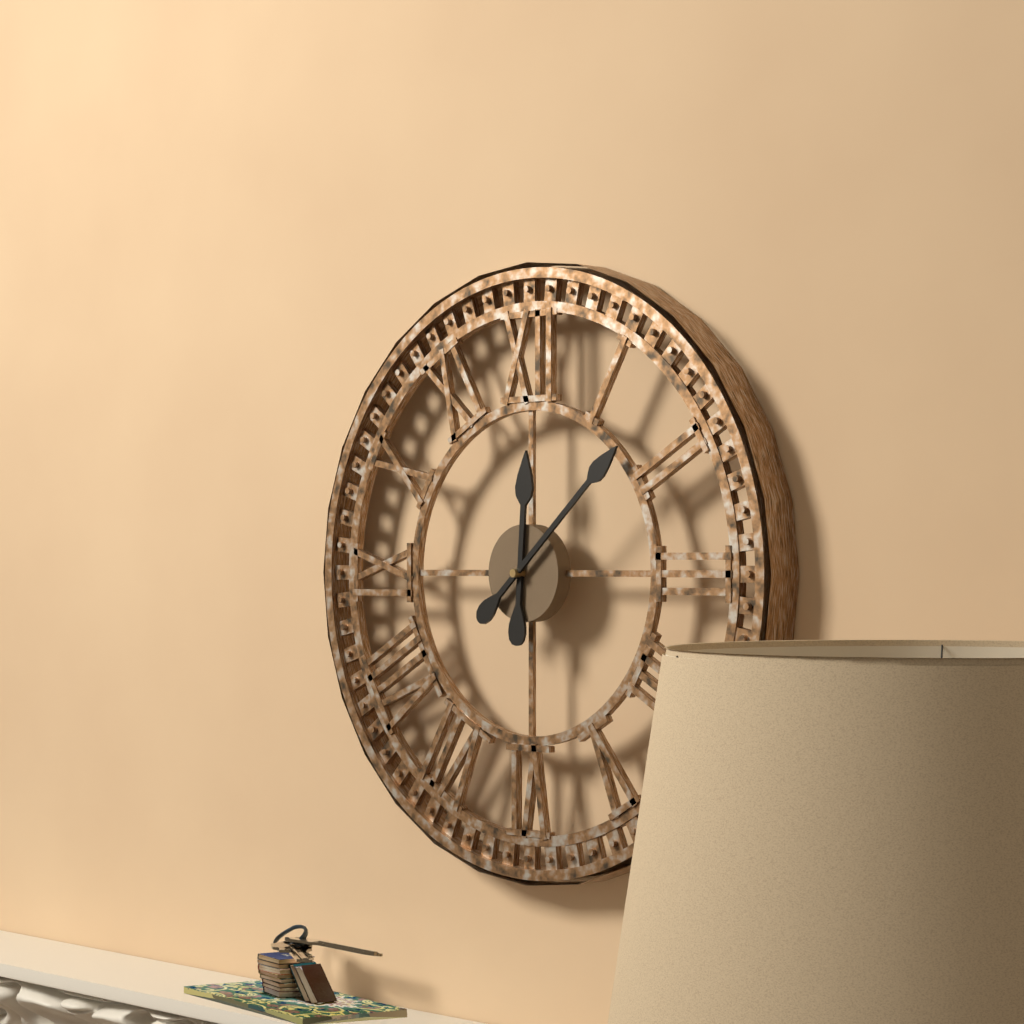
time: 12:08
